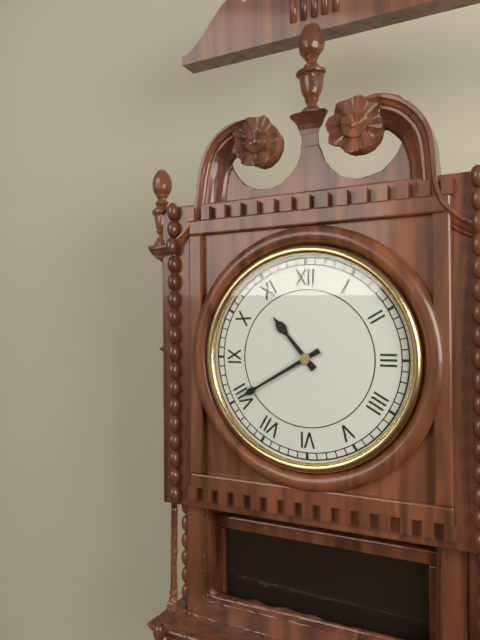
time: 10:40
